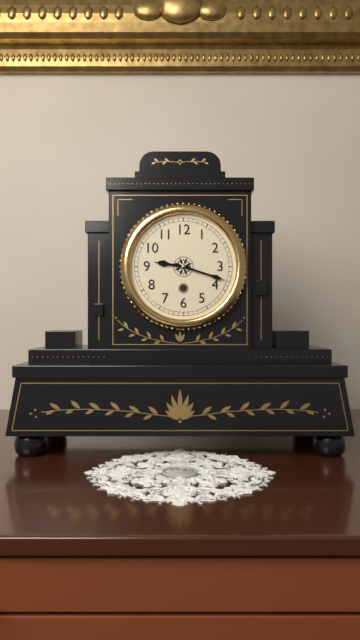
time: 9:18
